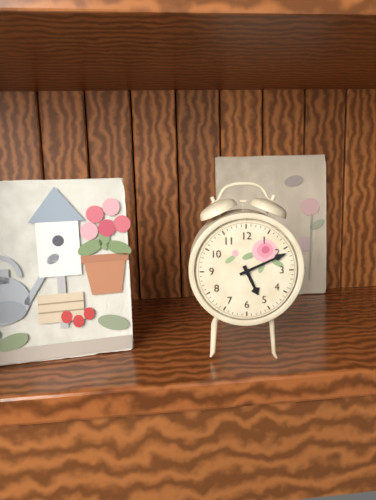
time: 5:11
